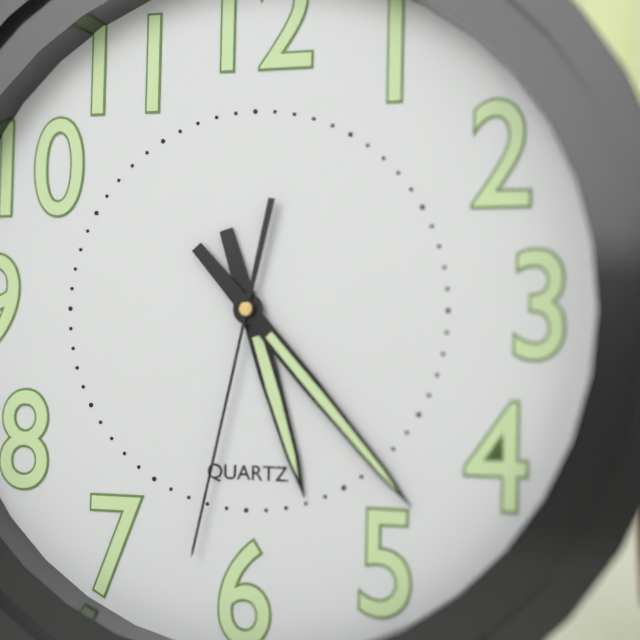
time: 5:23:32
